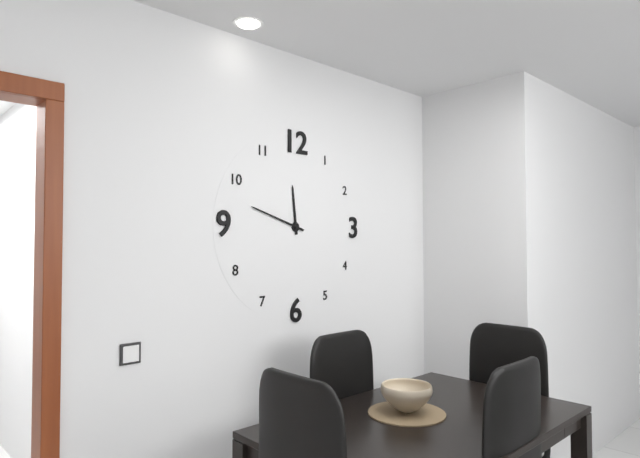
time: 11:48
